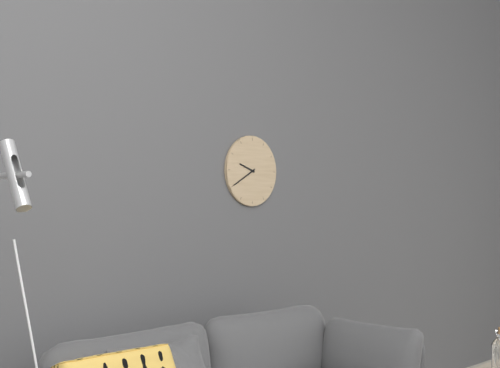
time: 9:40
